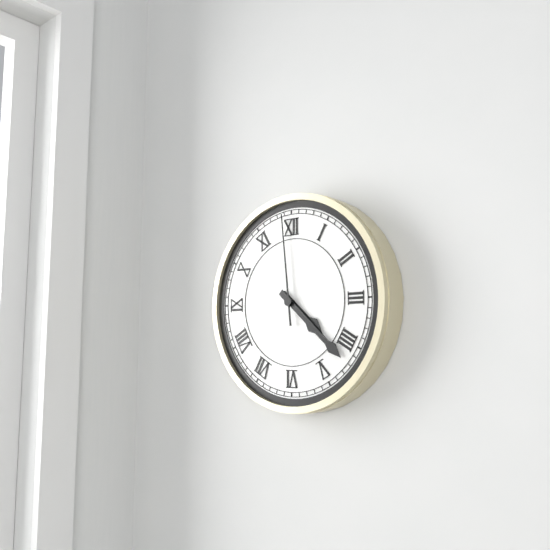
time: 4:22:59
